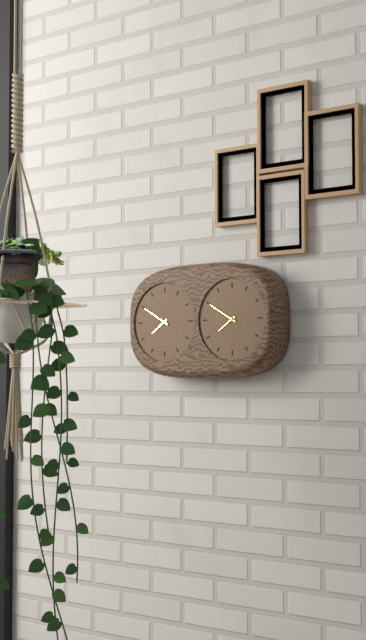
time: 7:50
